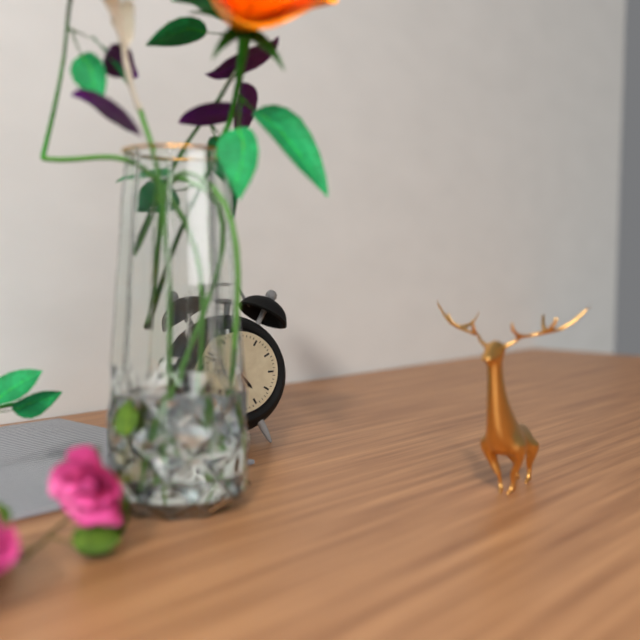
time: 4:39
